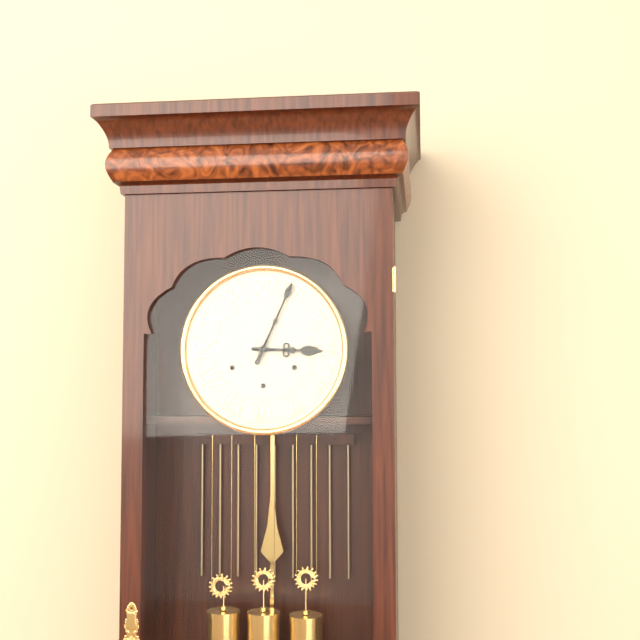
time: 3:04
